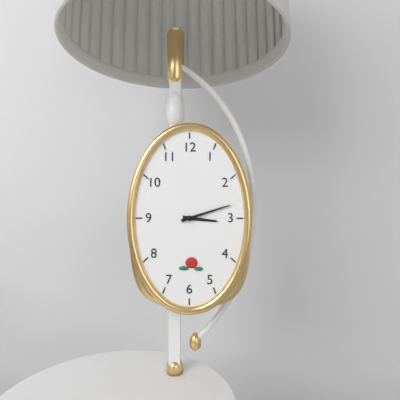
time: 3:12
